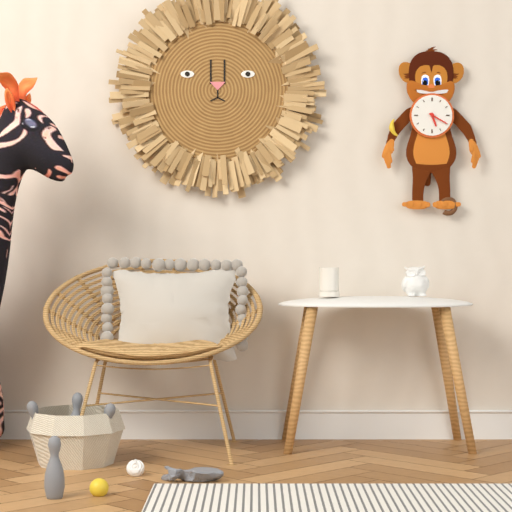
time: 5:20
